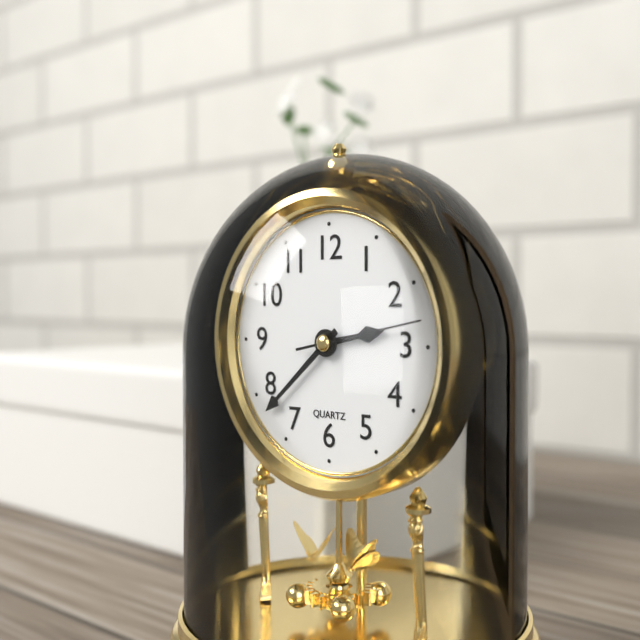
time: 2:38:13
